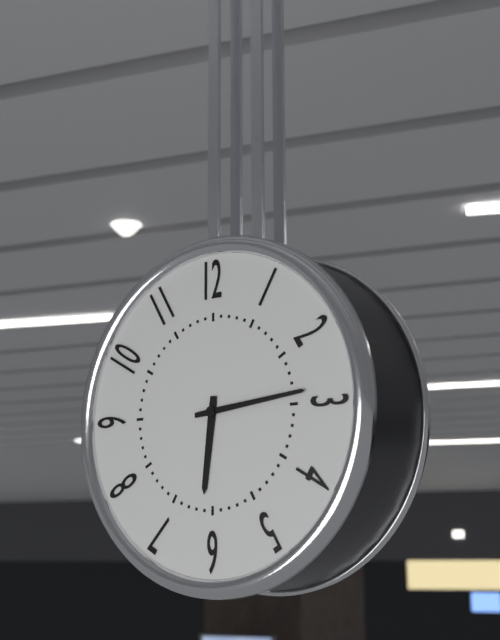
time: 6:14
